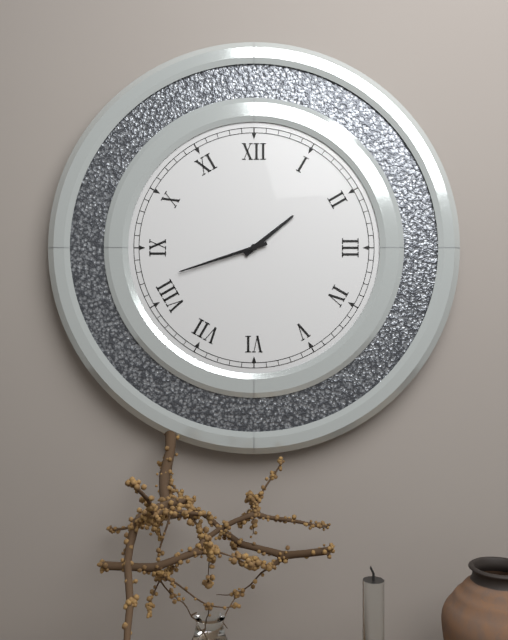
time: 1:42
